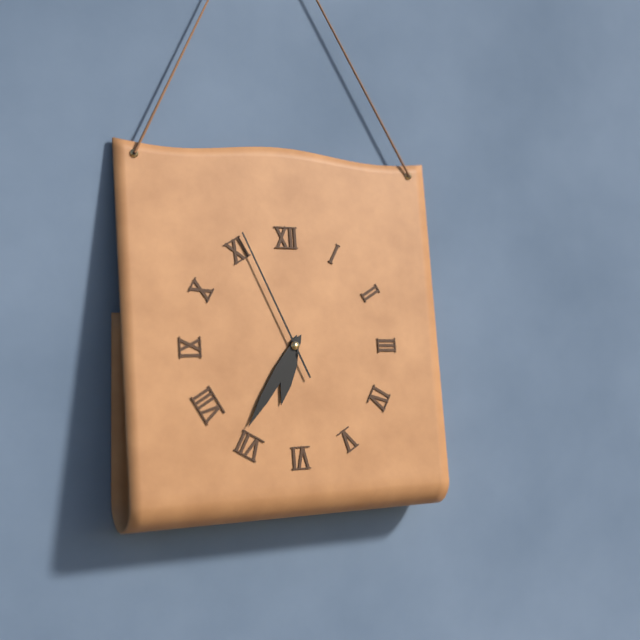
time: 6:36:56
